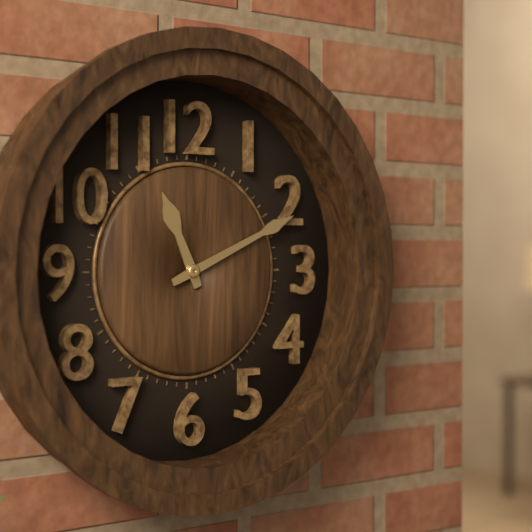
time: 11:11
